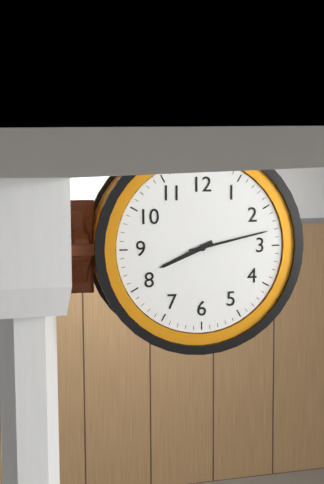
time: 8:13
